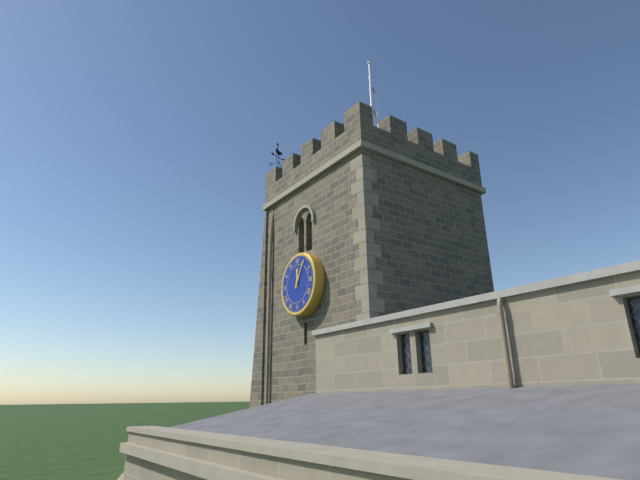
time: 12:05
